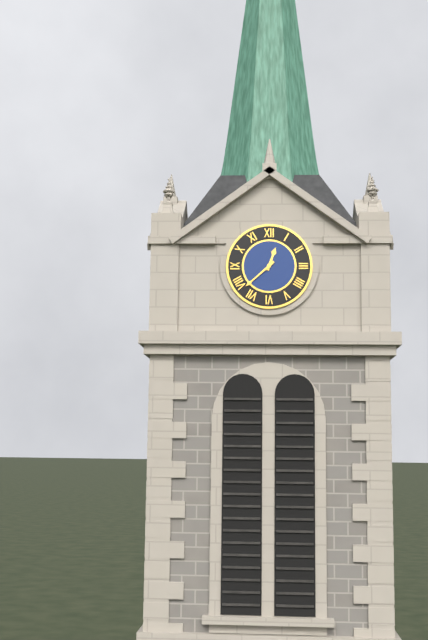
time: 12:38
